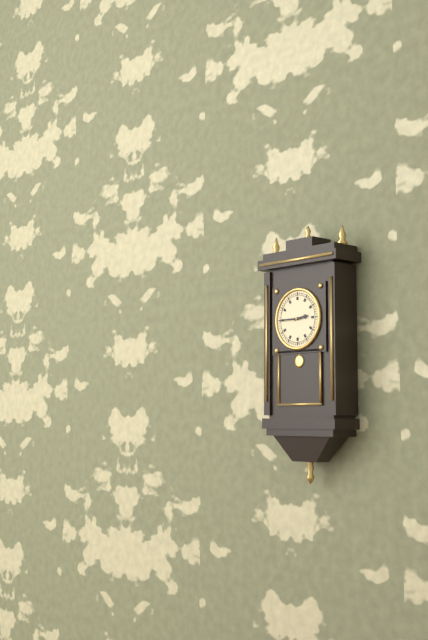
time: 2:45
